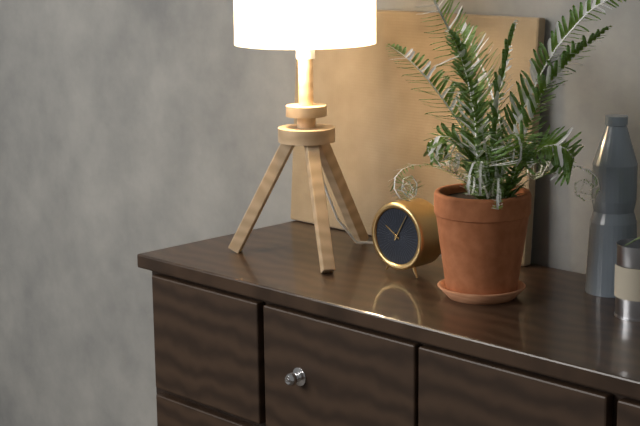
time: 10:05
